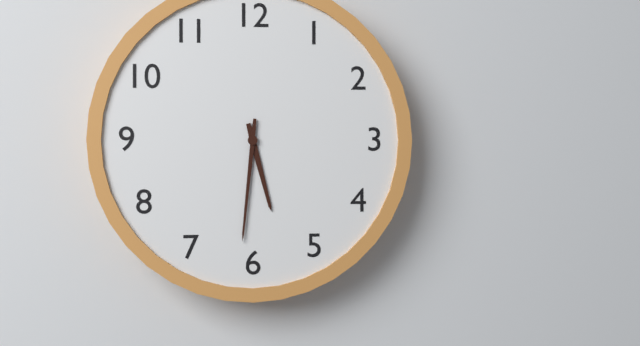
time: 5:31
